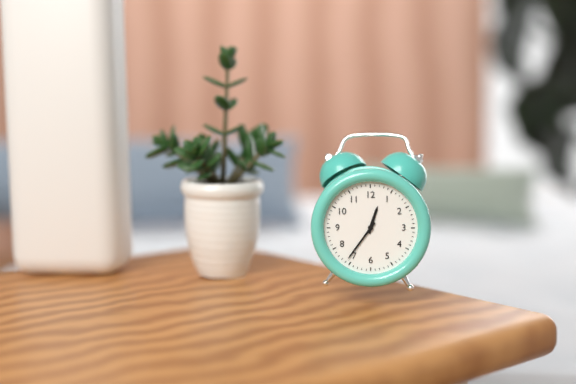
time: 12:36
